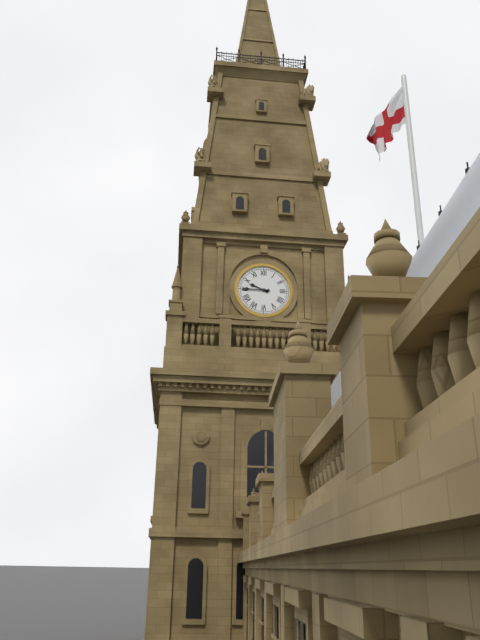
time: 9:45
